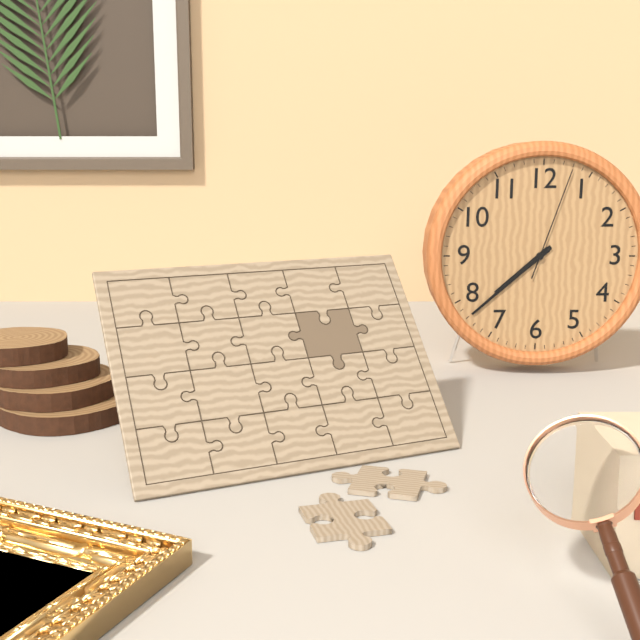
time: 7:38:03
